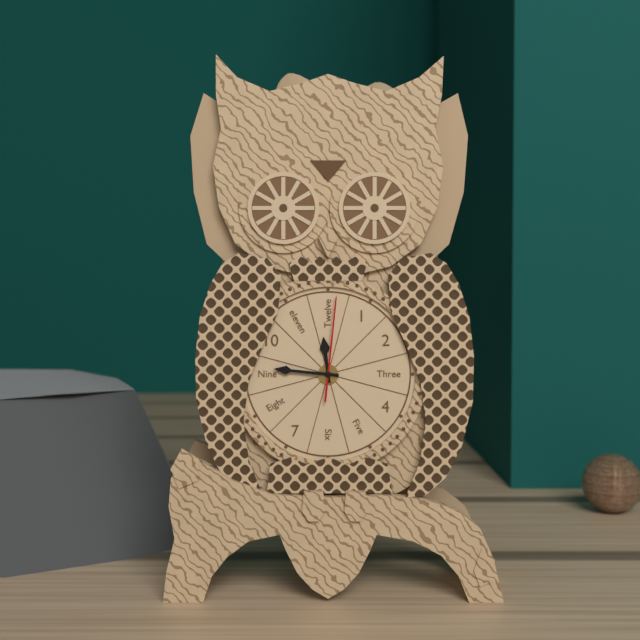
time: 11:46:01
